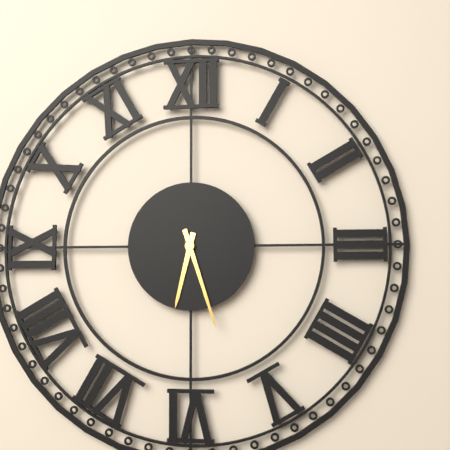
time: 6:27
